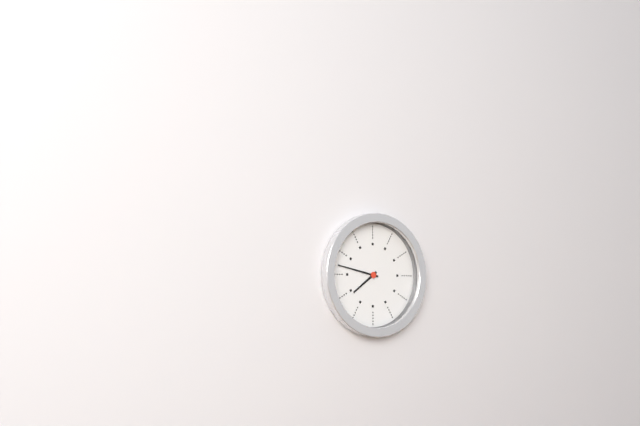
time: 7:47
